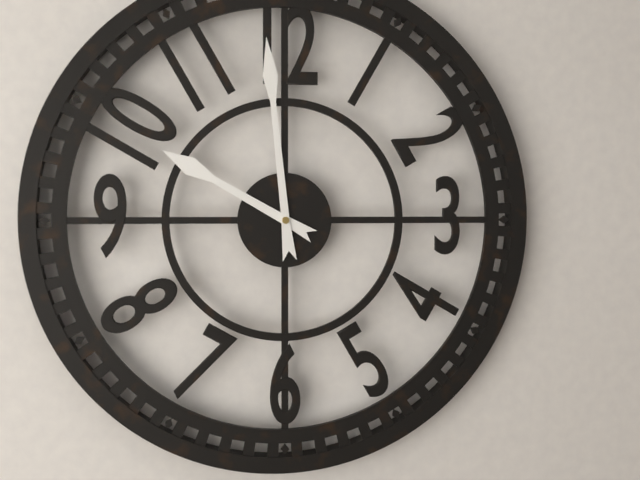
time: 9:59
